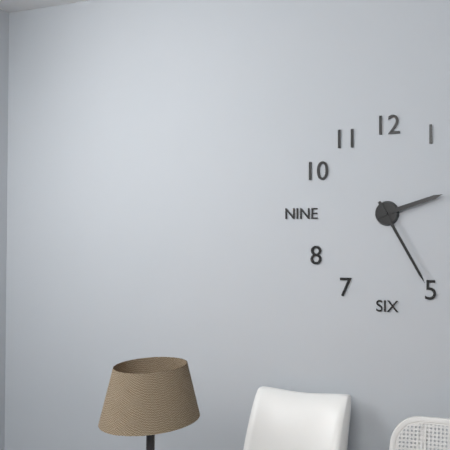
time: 2:25
